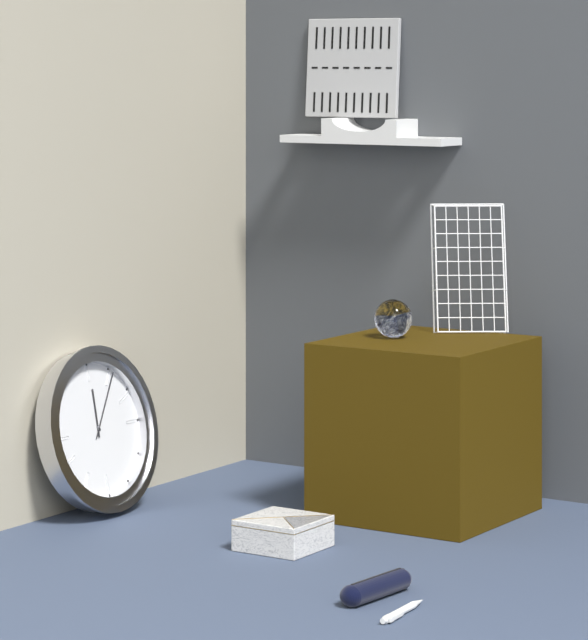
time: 12:06
